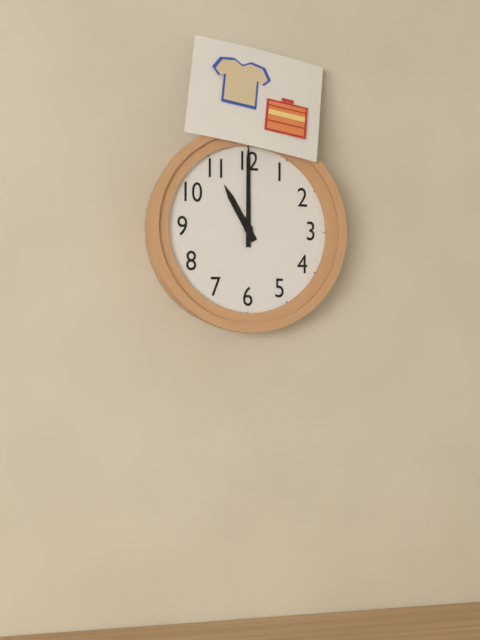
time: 11:00
